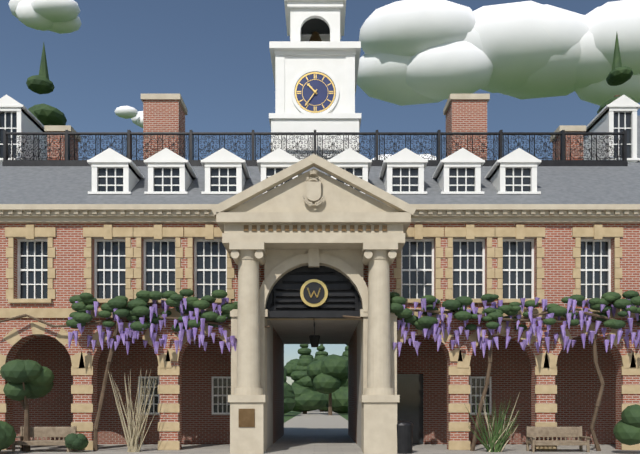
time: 10:36
